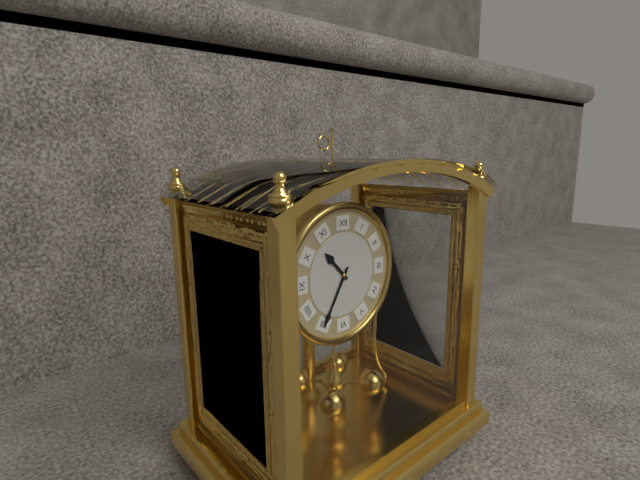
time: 10:35
